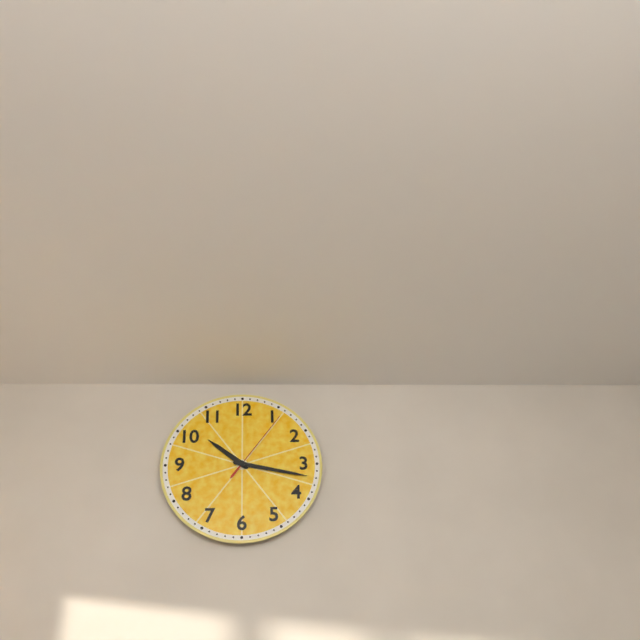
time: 10:17:06
